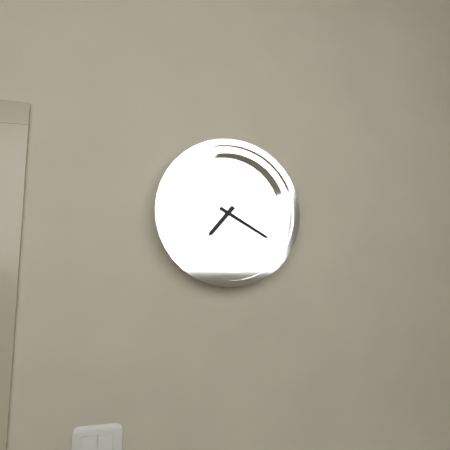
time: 7:20
